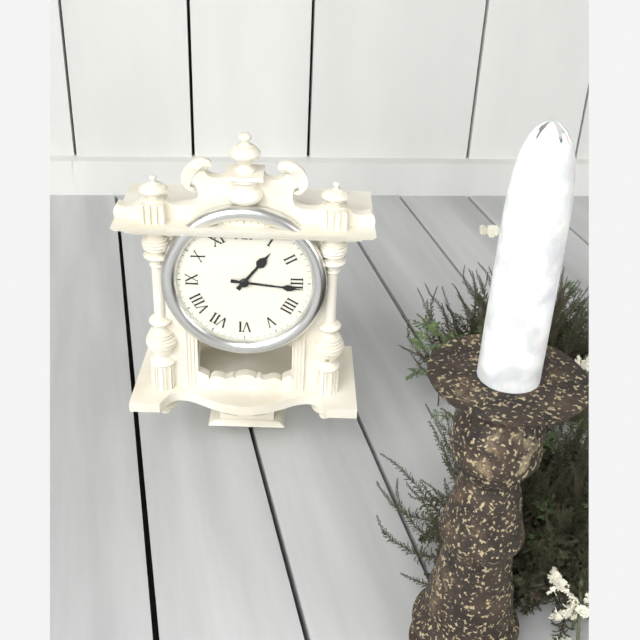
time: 1:16
